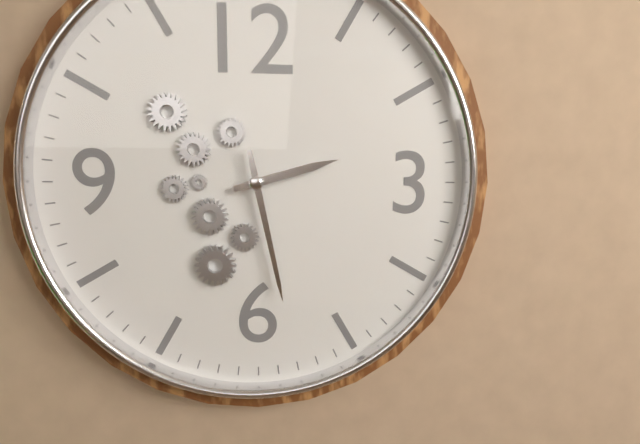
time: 2:28
